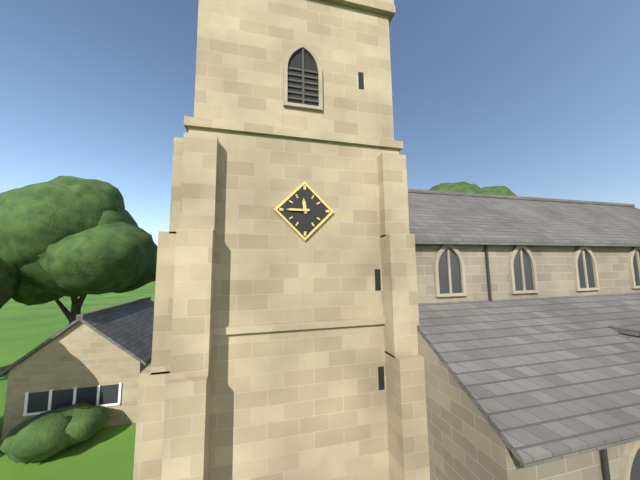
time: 11:45
